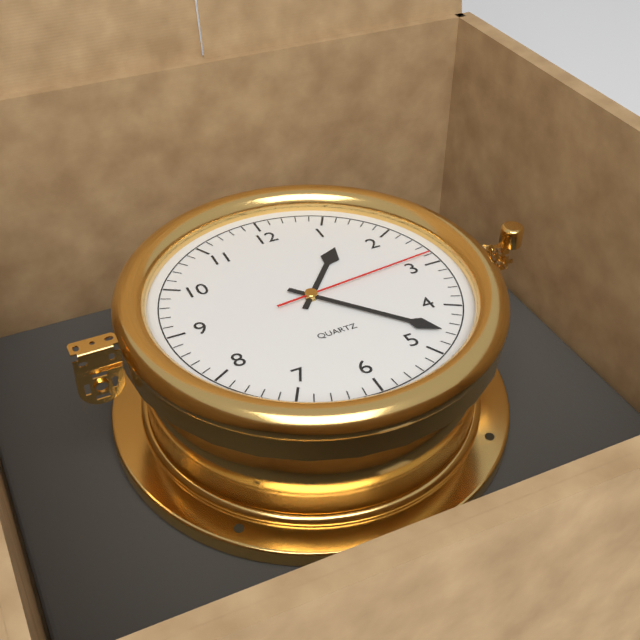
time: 1:23:14
